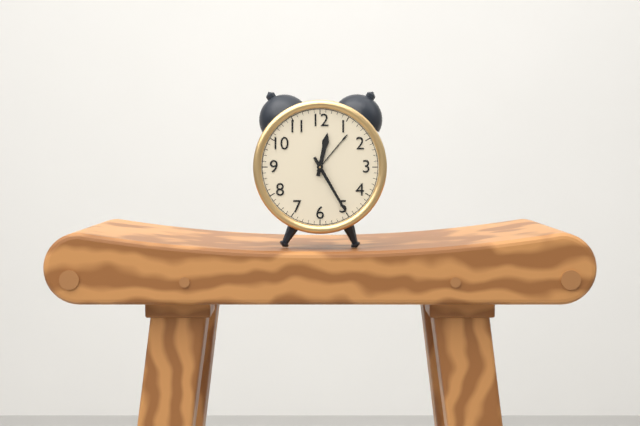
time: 12:25
